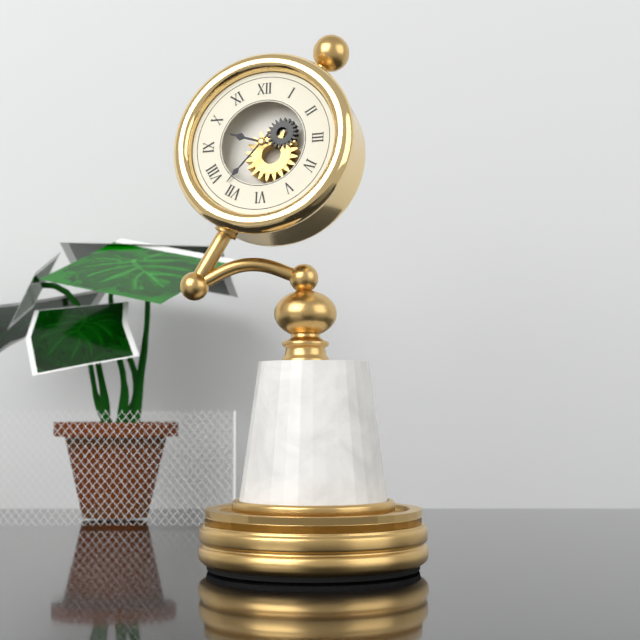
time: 9:37
